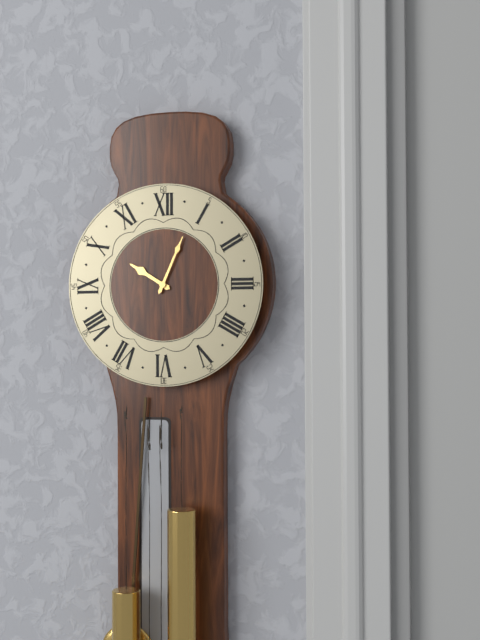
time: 10:04
